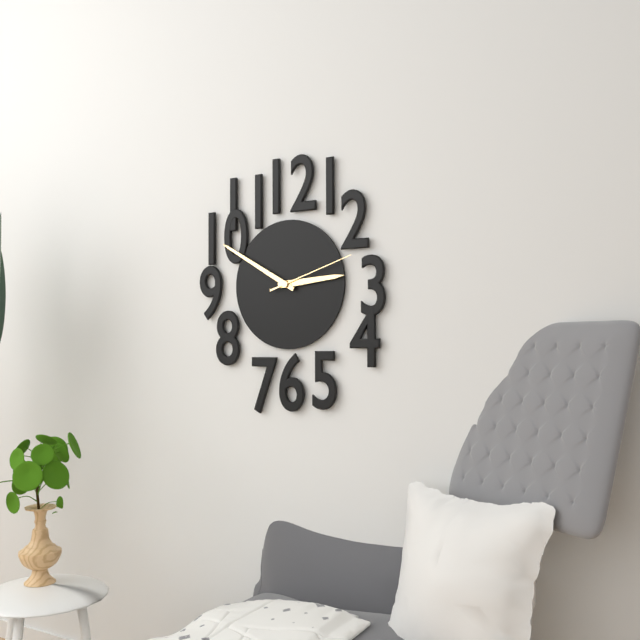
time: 2:50:12
